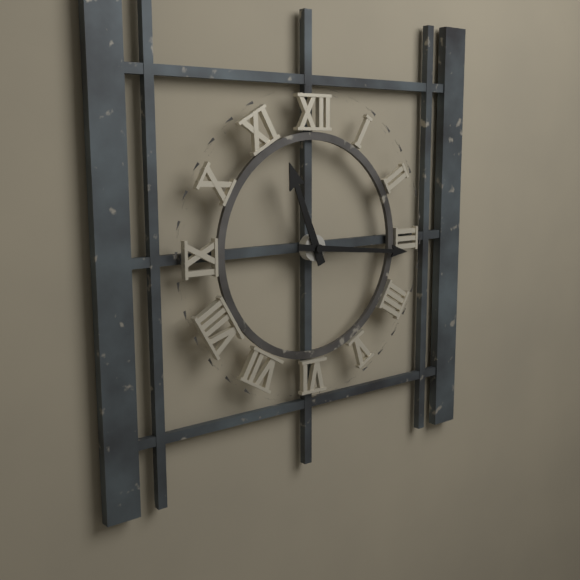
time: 11:16
